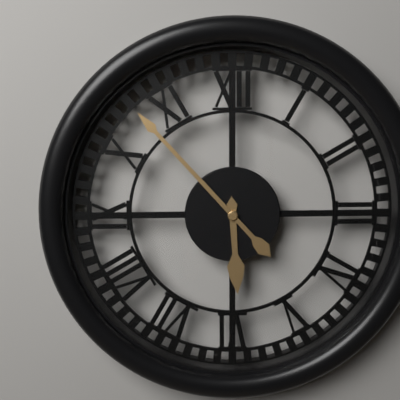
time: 5:53
